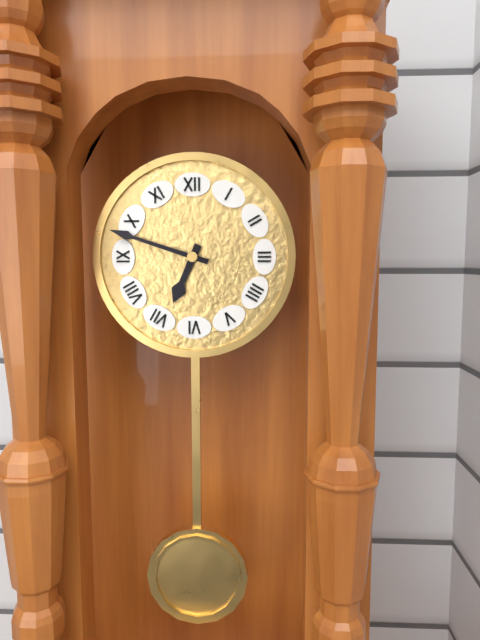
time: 6:48
